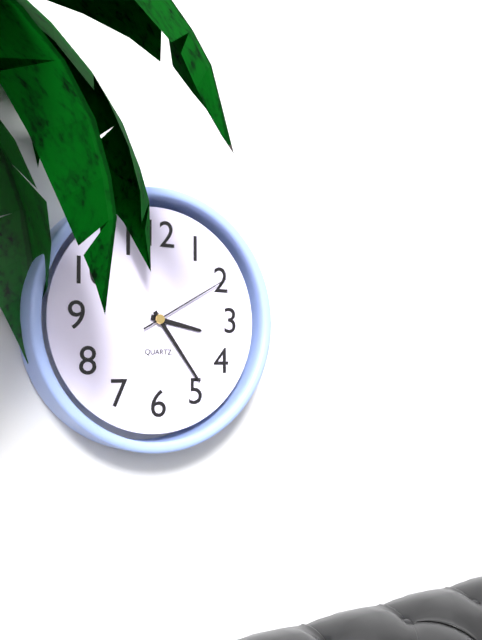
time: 3:24:10
